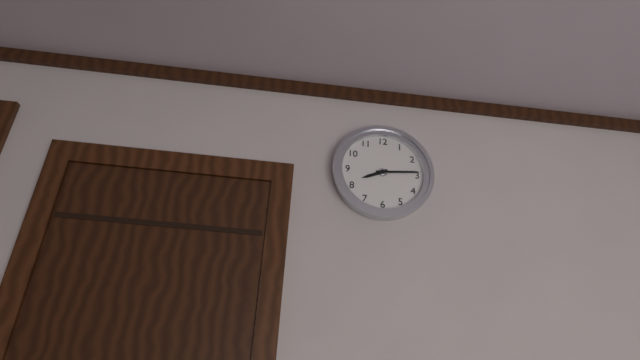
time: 8:14
